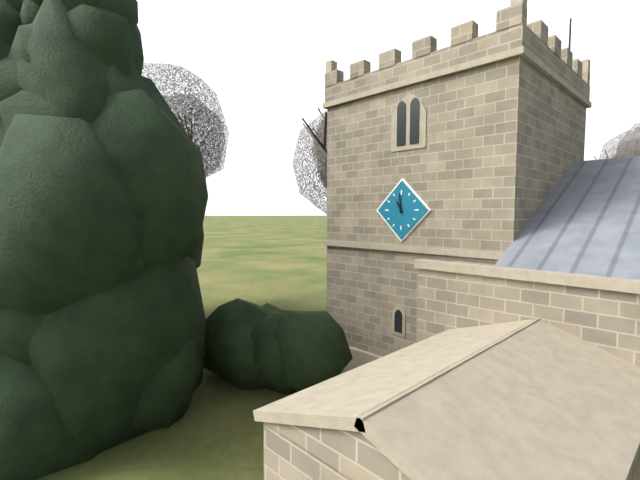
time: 10:59
